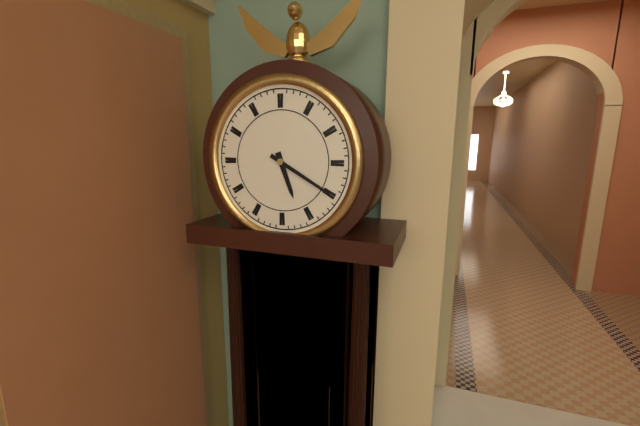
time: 5:20
